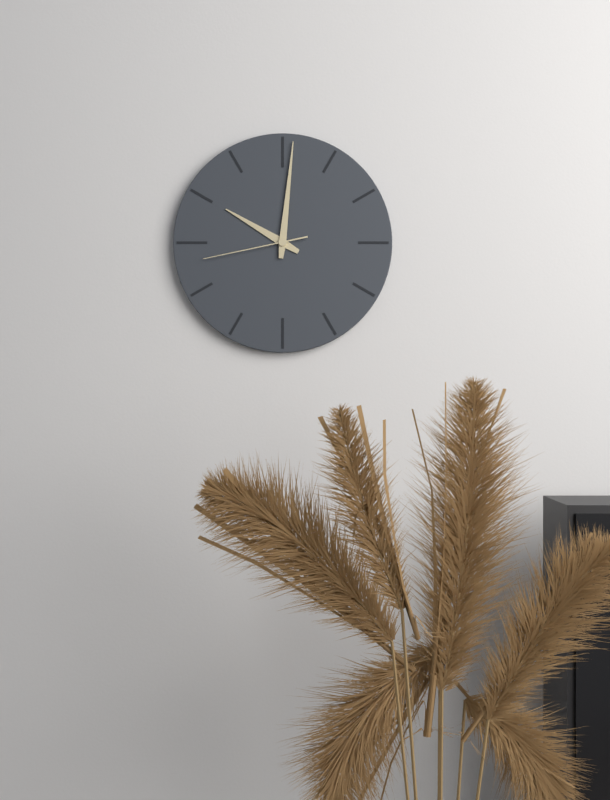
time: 10:01:43
